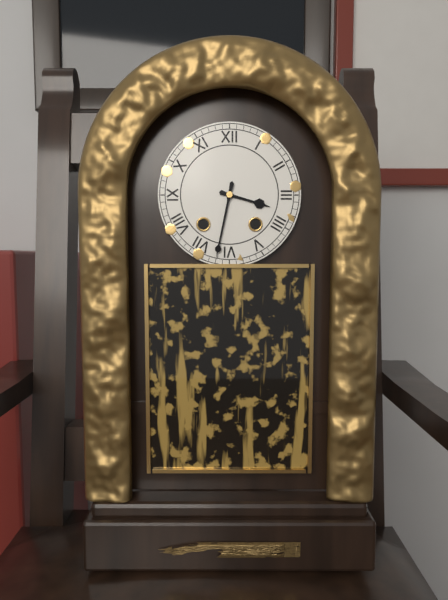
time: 3:32
